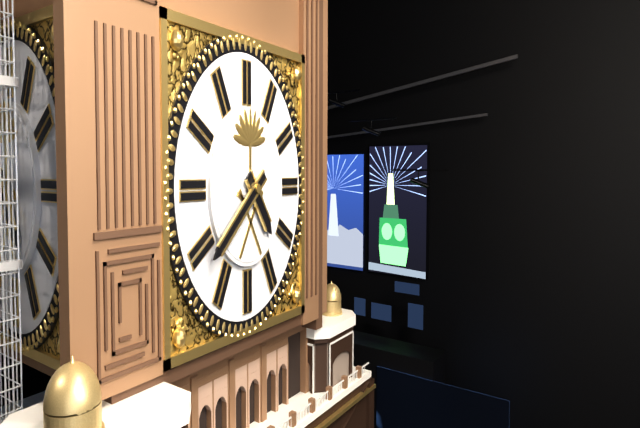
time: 4:39
